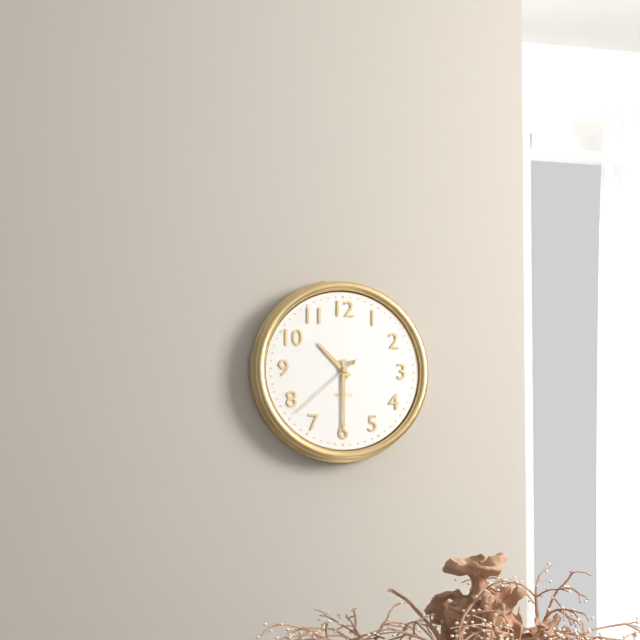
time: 10:30:38
